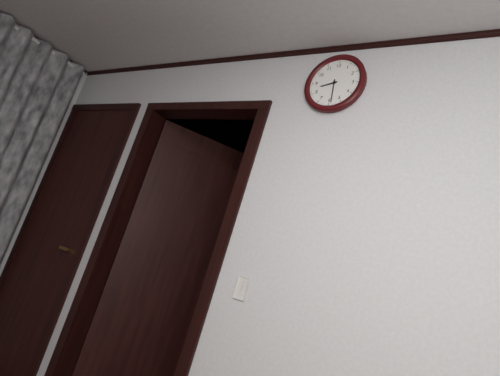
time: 8:29
